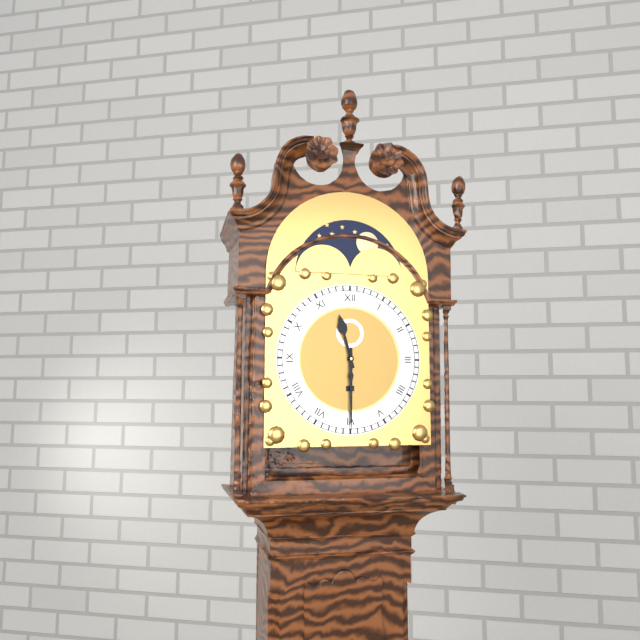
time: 11:30
